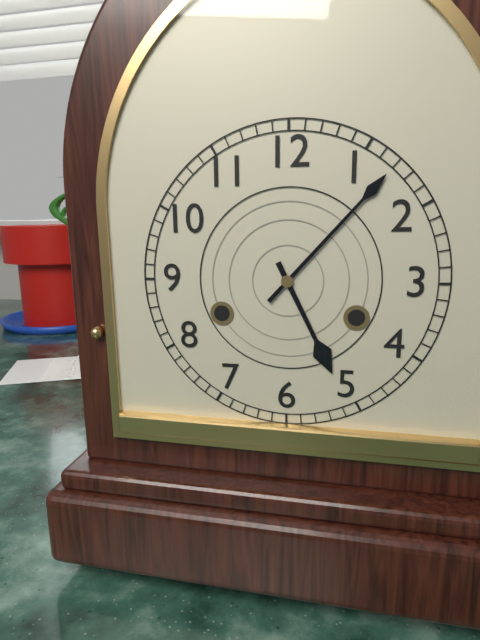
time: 5:07
